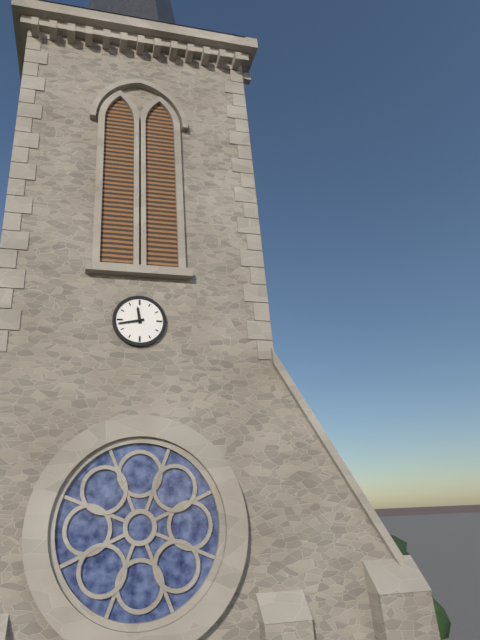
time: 11:43
